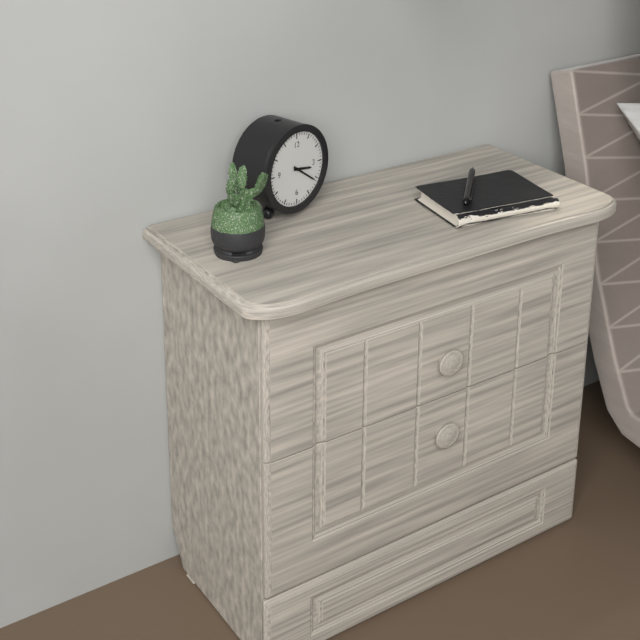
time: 3:21
